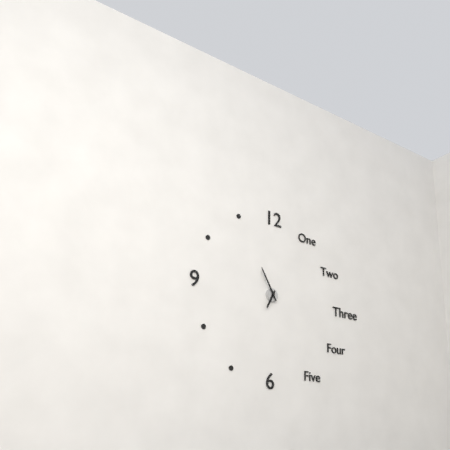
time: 6:55
